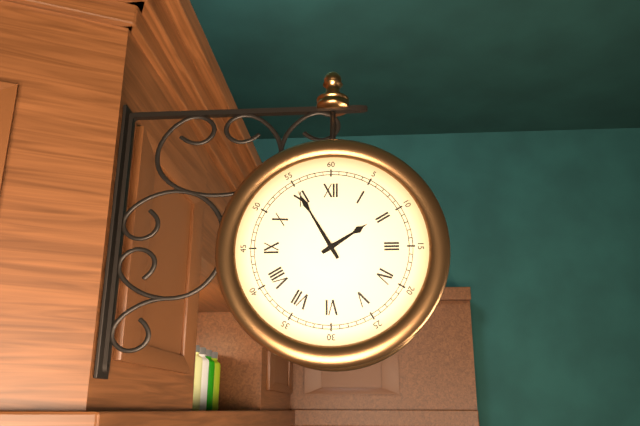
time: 1:55
